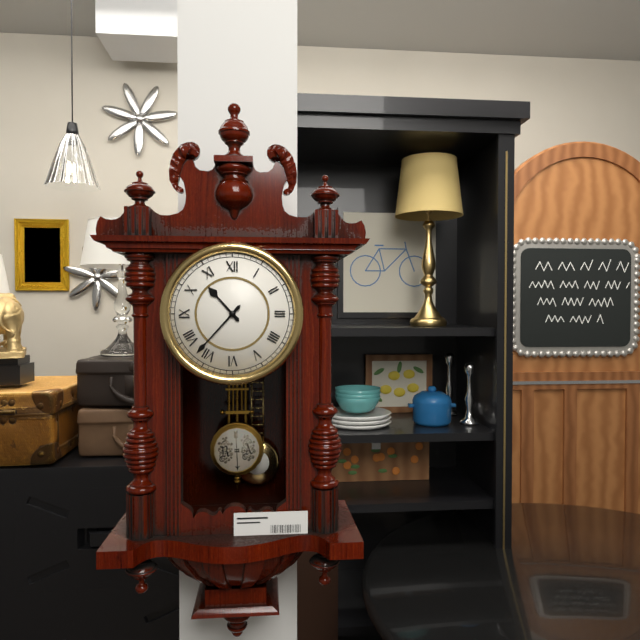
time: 10:37
